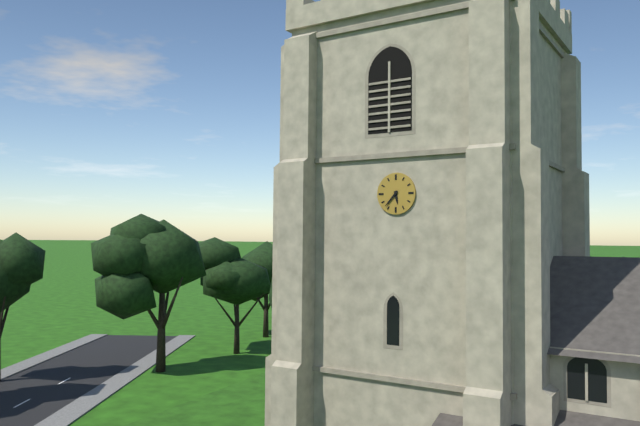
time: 5:37
